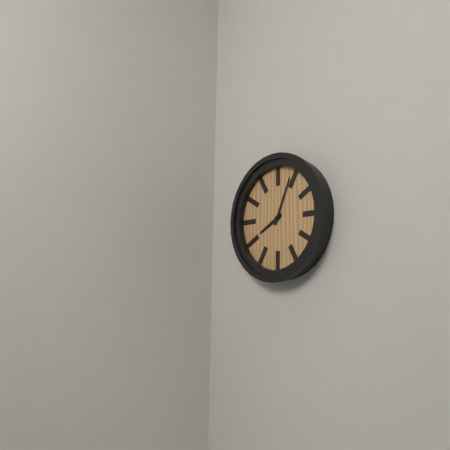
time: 8:04
